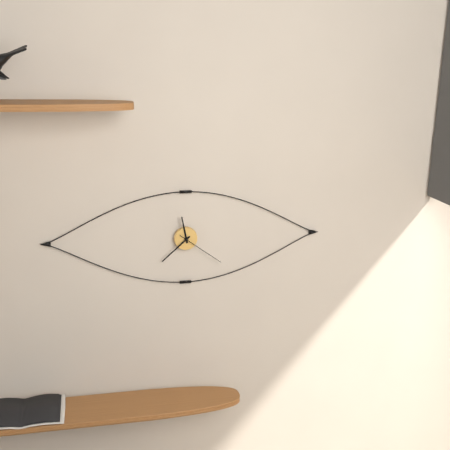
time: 11:38:21
